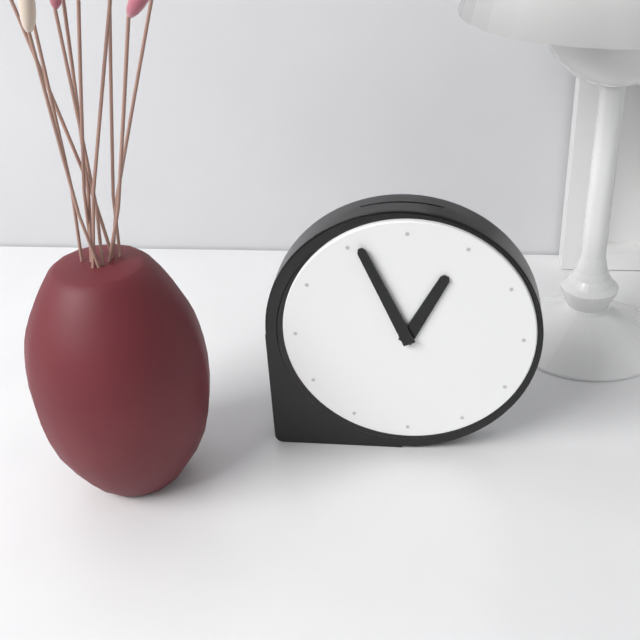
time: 12:56
